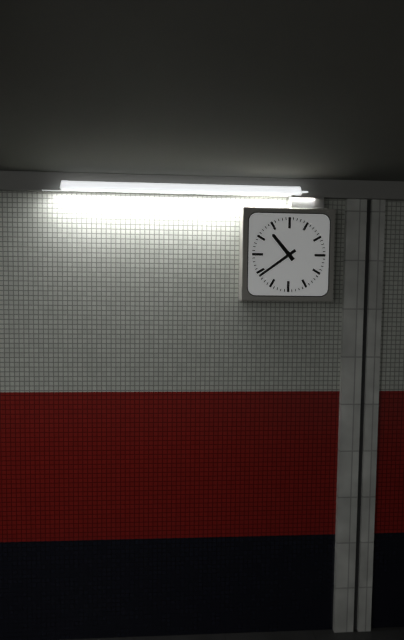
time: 10:39
